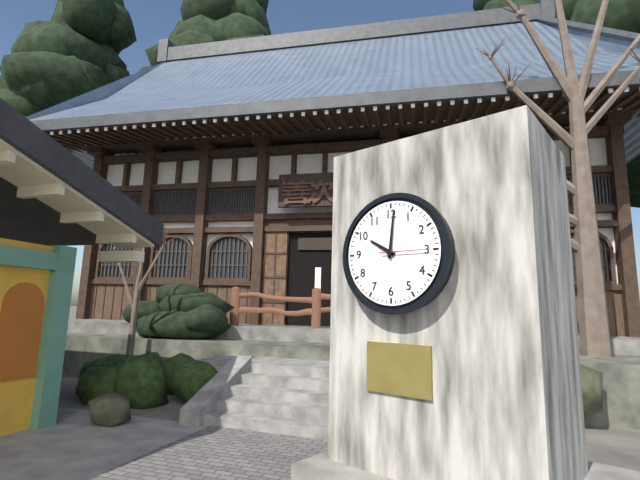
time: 10:01
